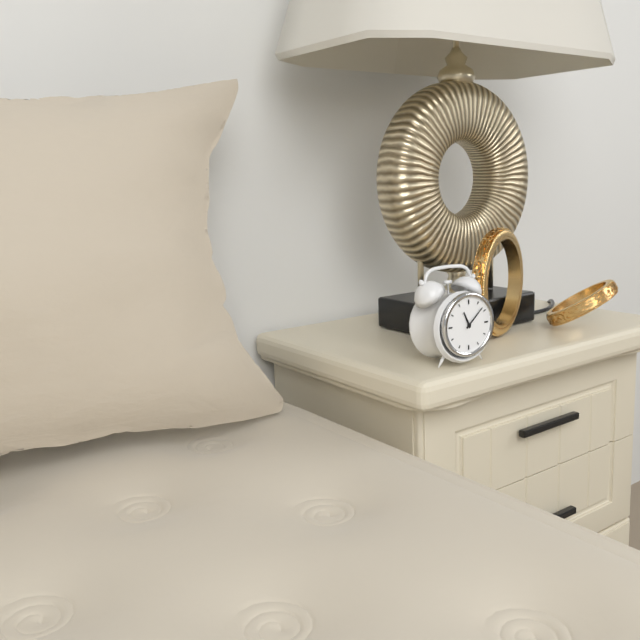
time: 11:08
